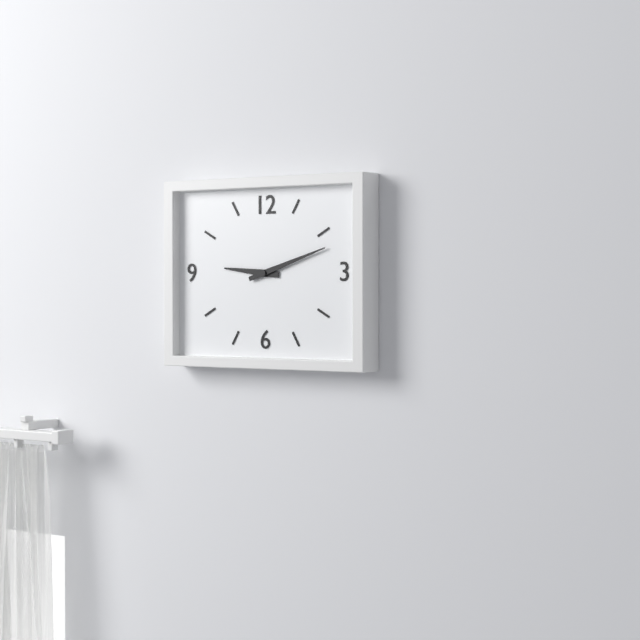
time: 9:12
